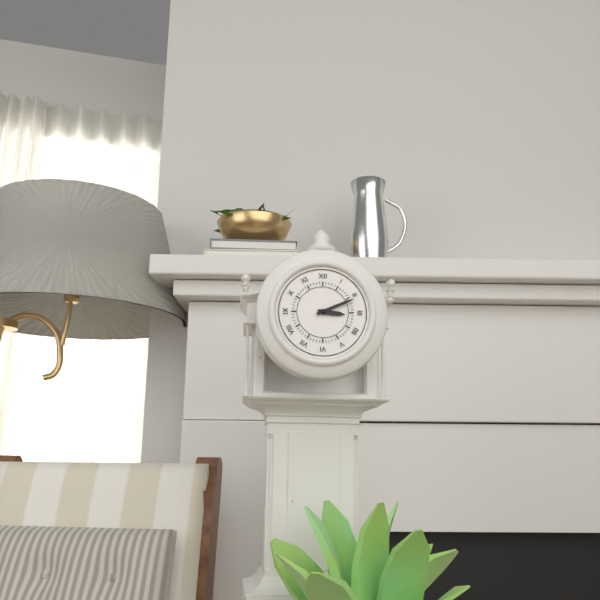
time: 3:11
